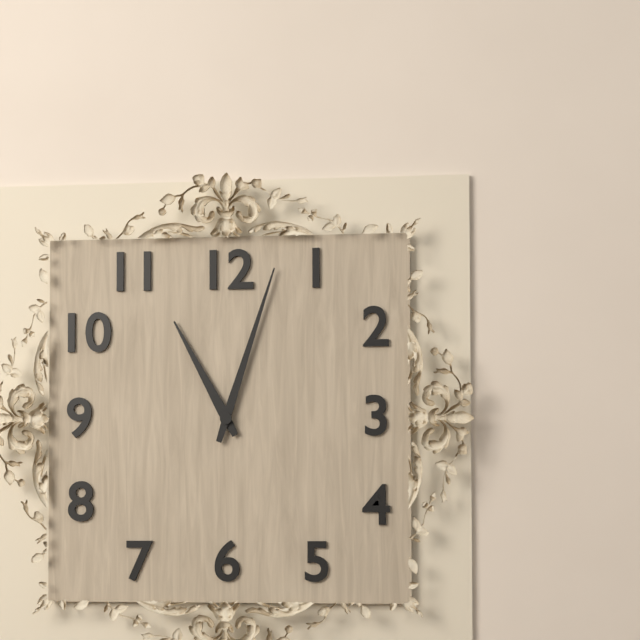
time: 11:03
